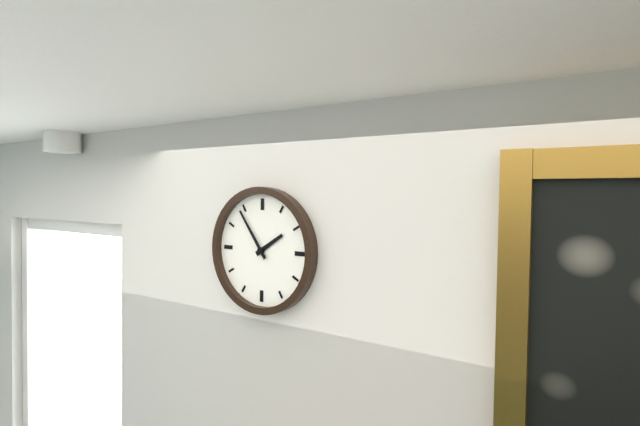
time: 1:54
